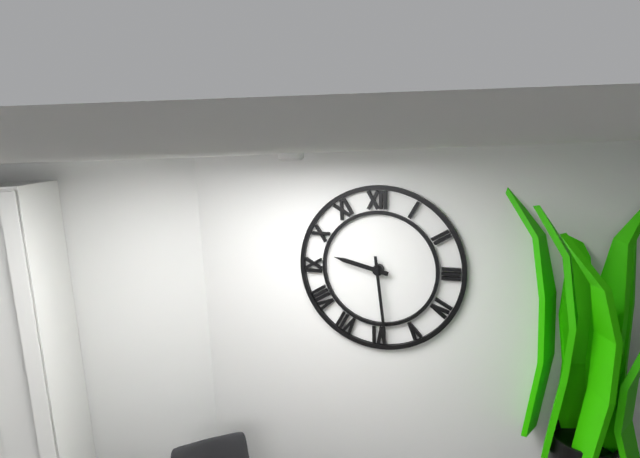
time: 9:29
